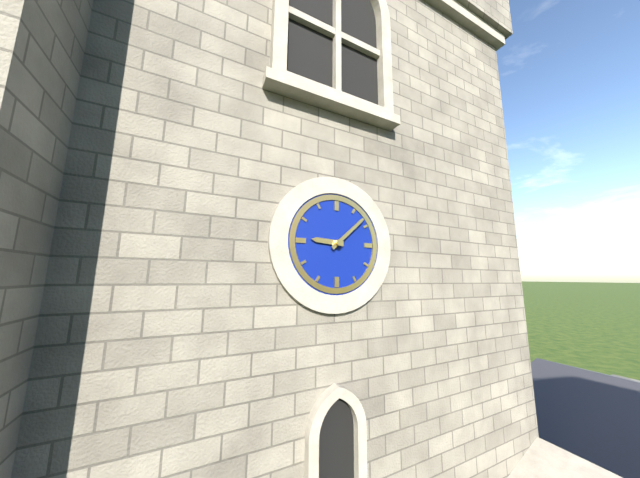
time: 9:08
